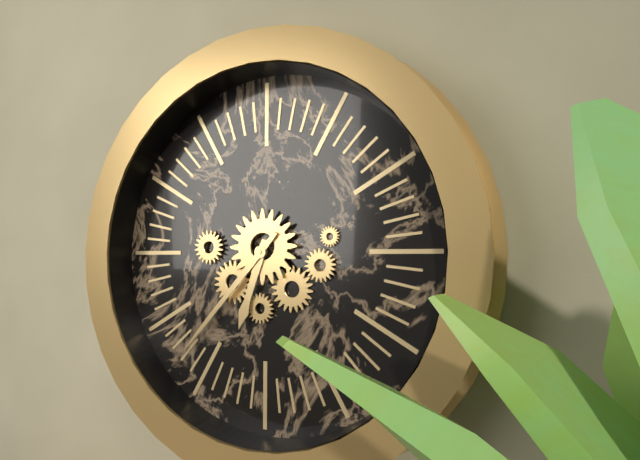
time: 6:37
